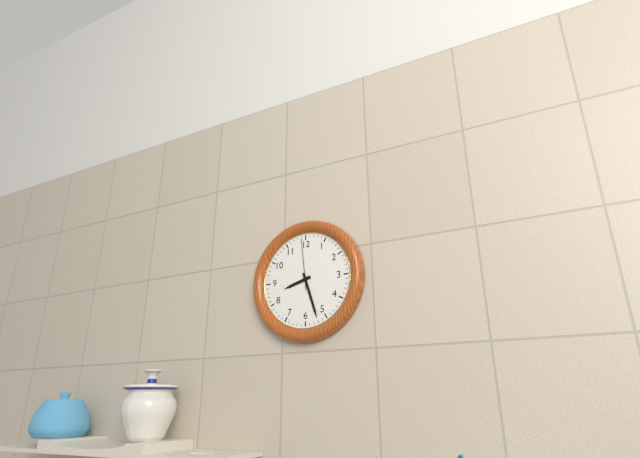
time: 8:27:59
